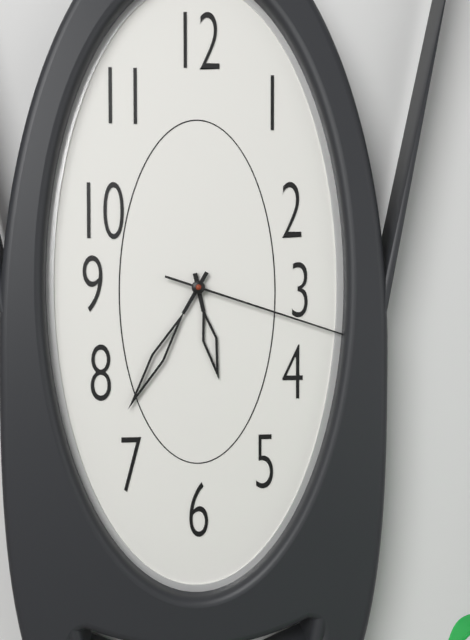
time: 5:35:18
